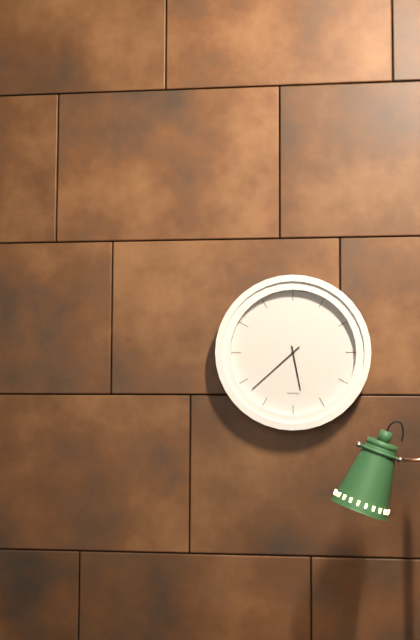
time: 5:38
